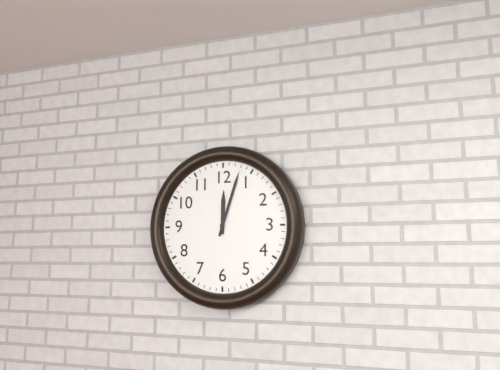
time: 12:03
